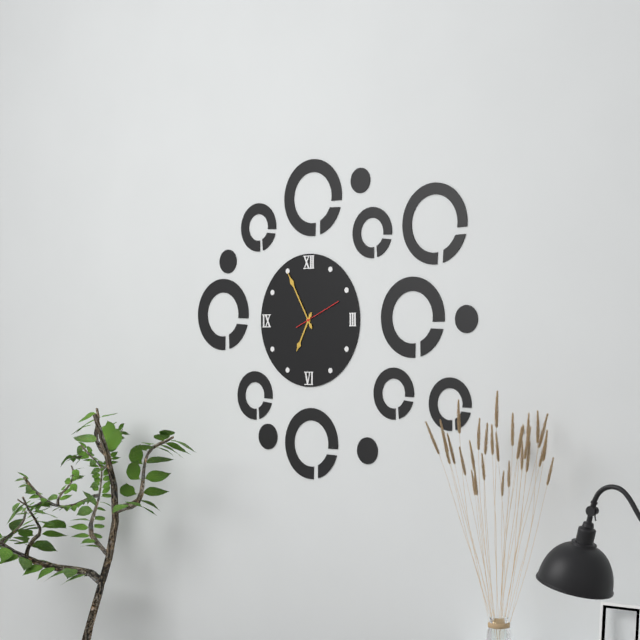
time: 6:55
